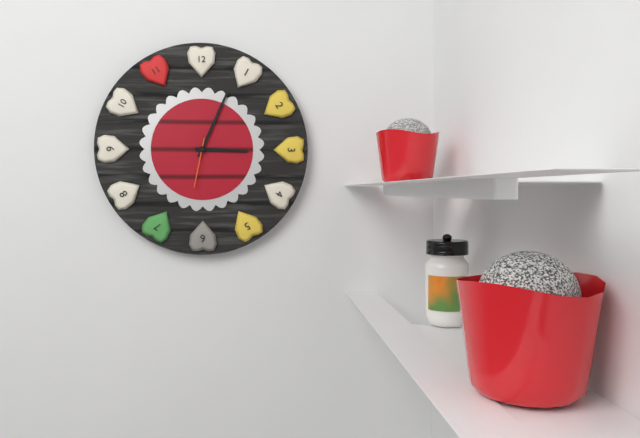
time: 3:04
